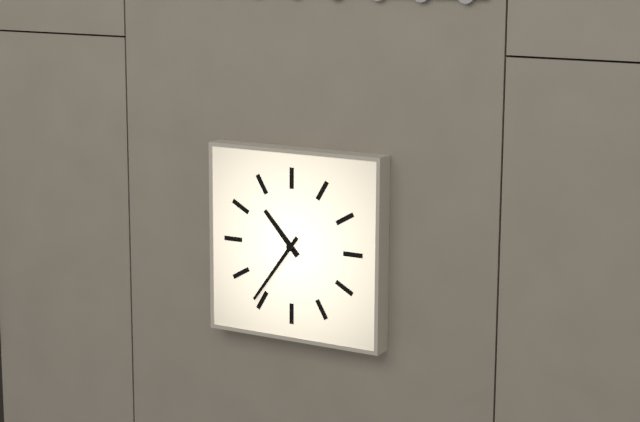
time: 10:36
